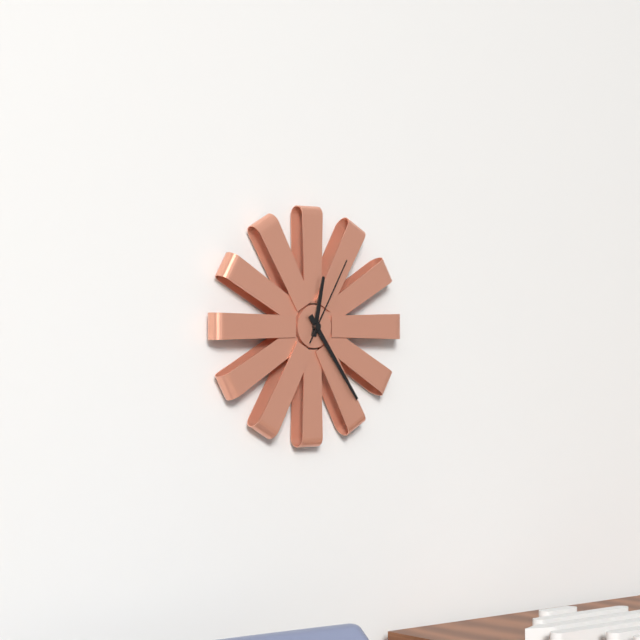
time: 12:24:05
